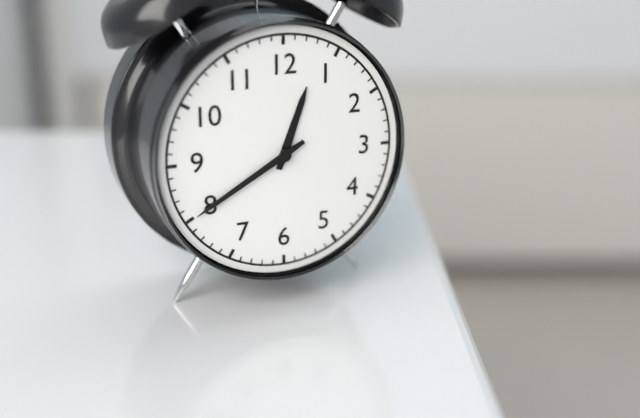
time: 12:40
